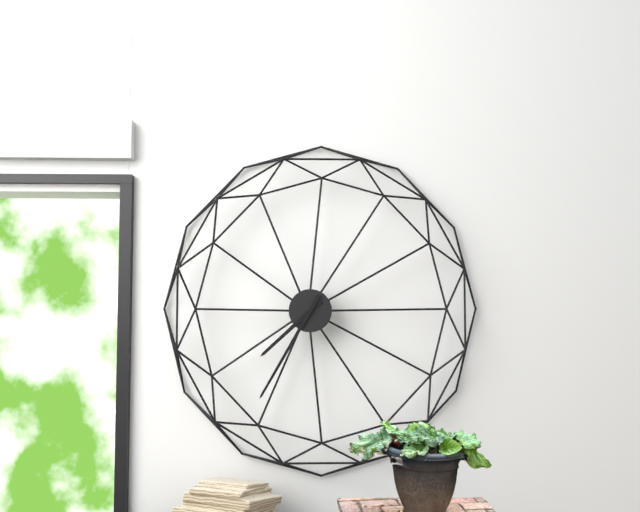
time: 7:35
